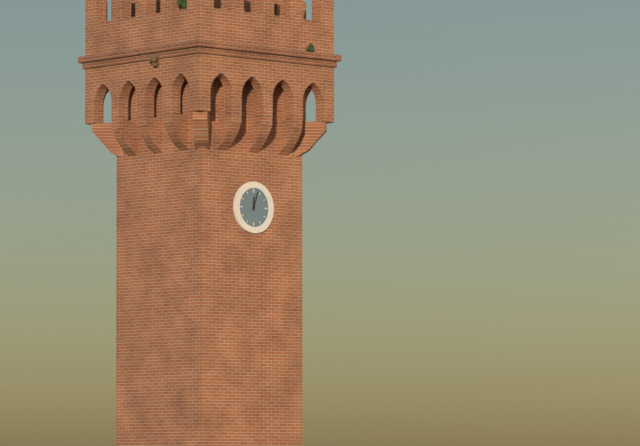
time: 12:03
